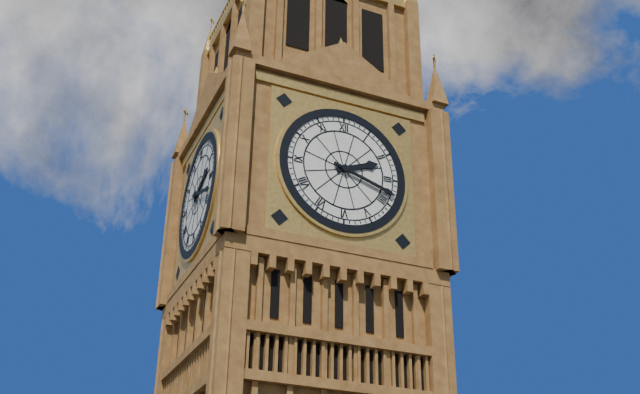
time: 2:18
